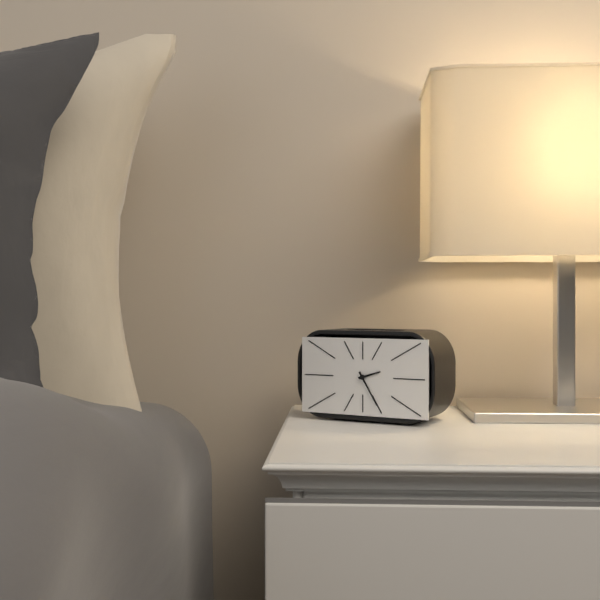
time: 2:25
